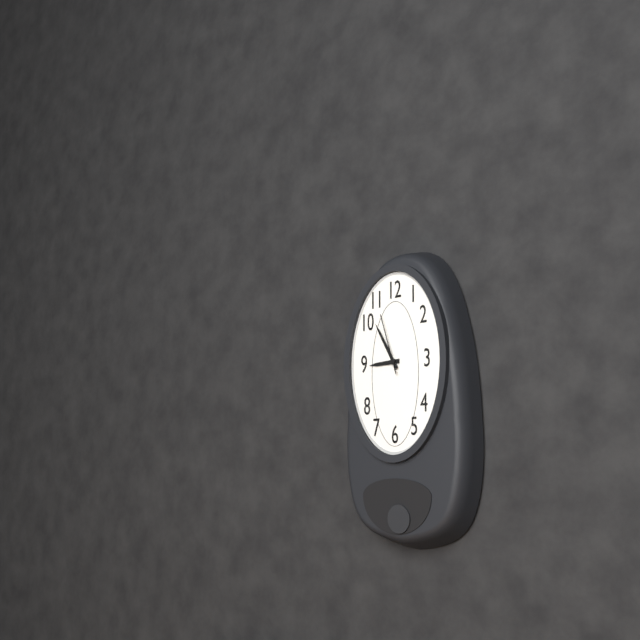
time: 8:55:57
